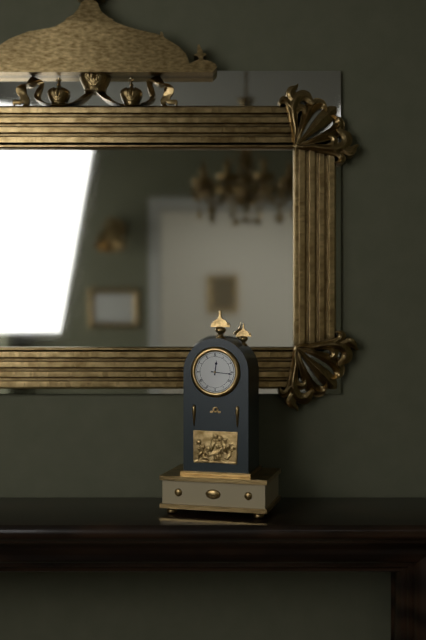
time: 12:16
